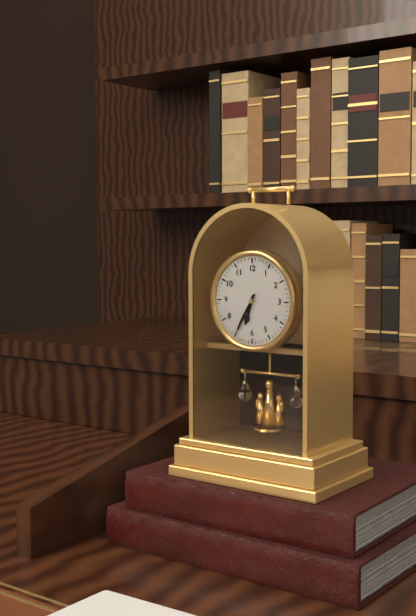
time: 6:35
